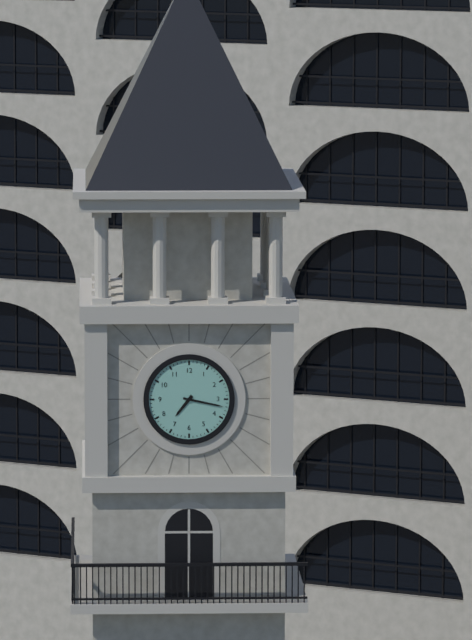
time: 7:17
